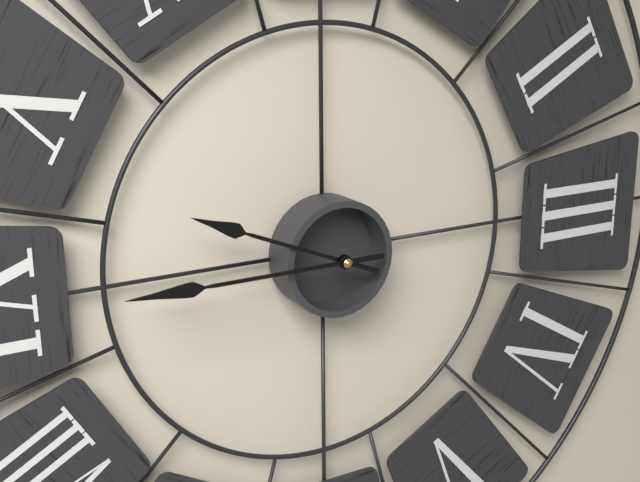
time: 9:45
